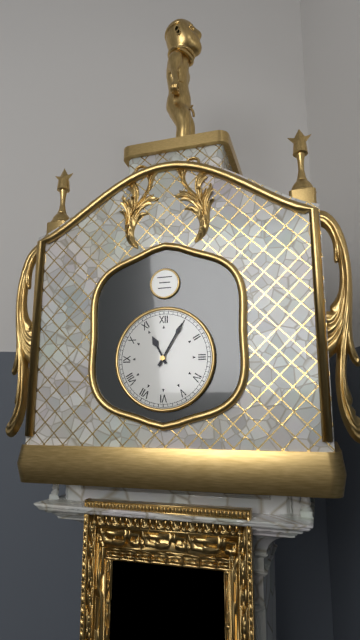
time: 11:05
